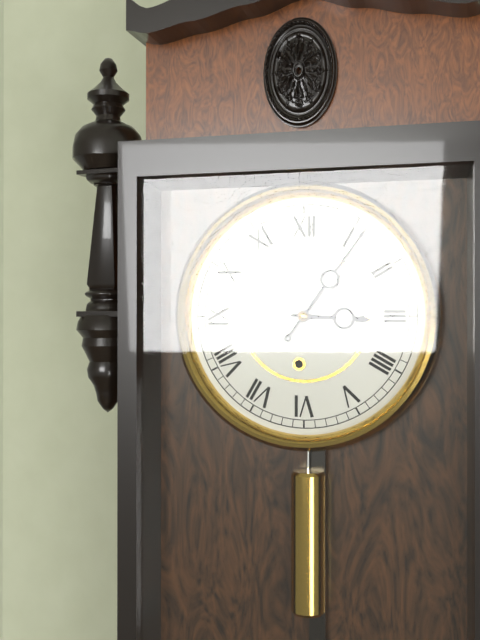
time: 3:06
